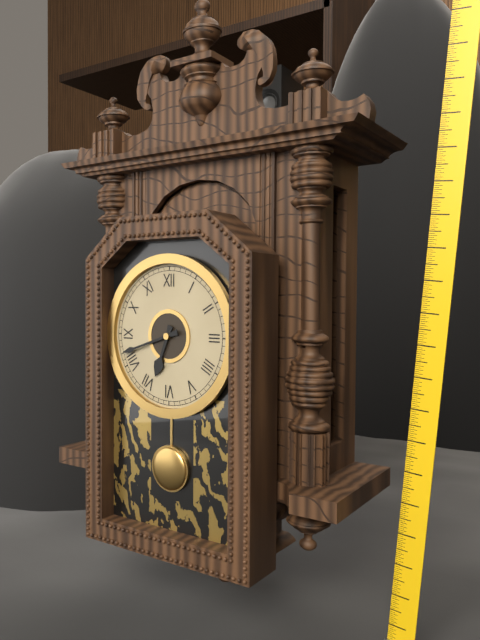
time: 6:42
